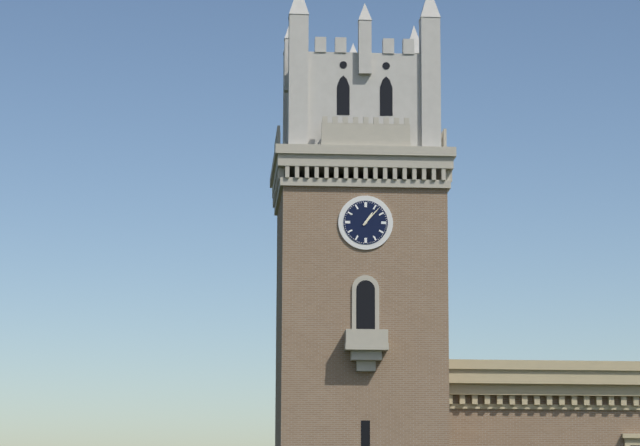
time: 1:07
